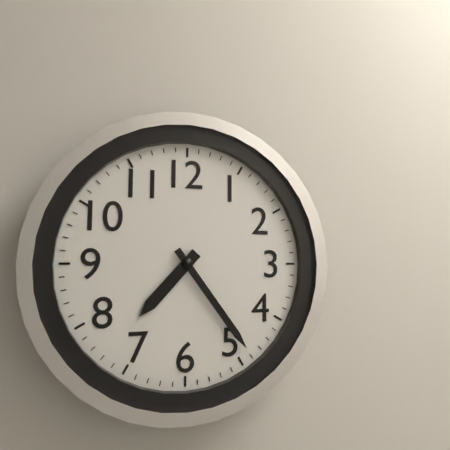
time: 7:24
